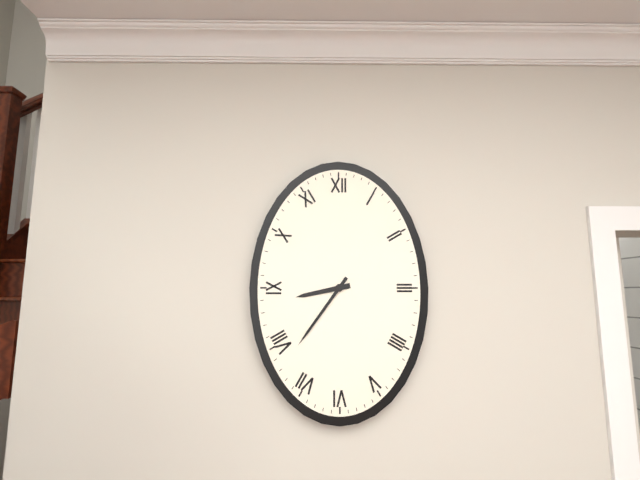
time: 8:36
